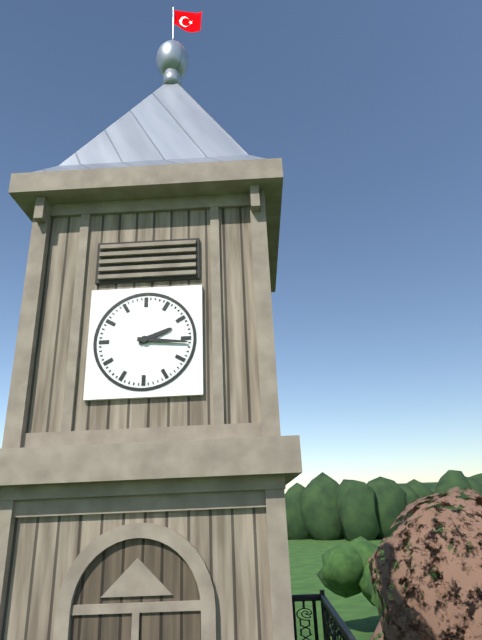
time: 2:16
